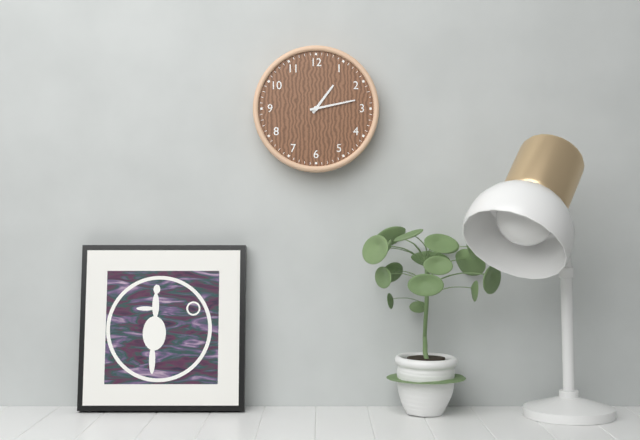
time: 1:13
